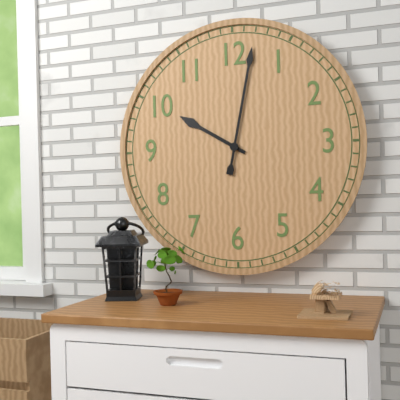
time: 10:02
